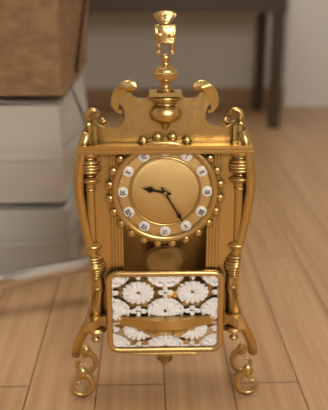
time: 9:25
